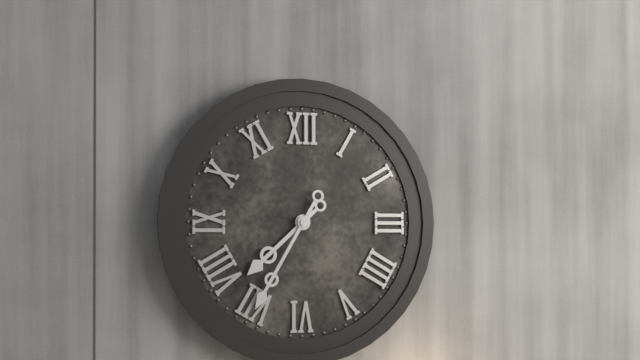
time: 7:35
